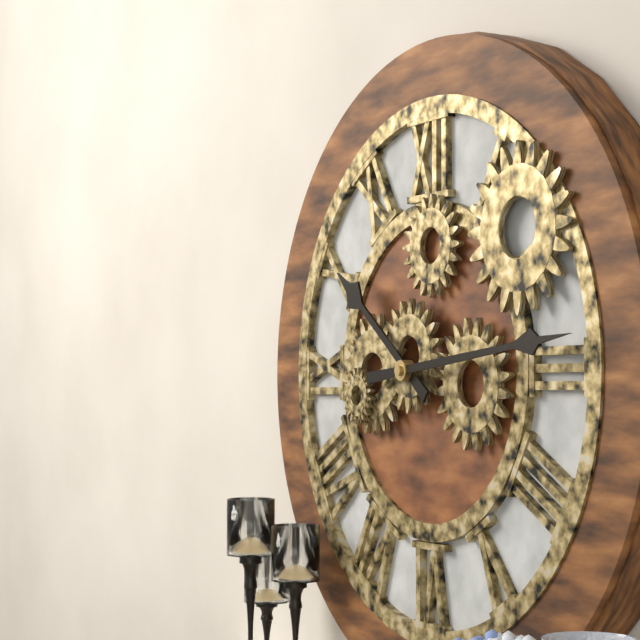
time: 10:14
